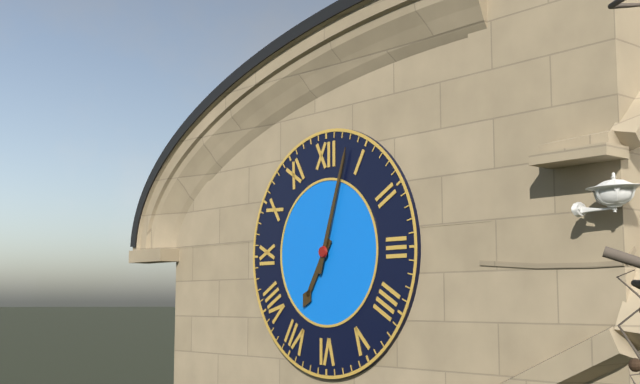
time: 7:03
